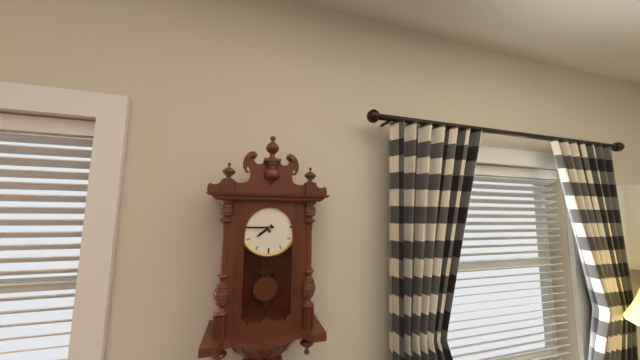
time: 7:45
